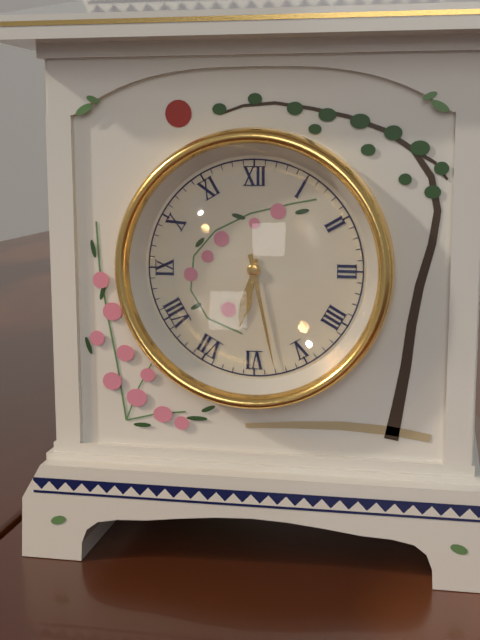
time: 6:28
